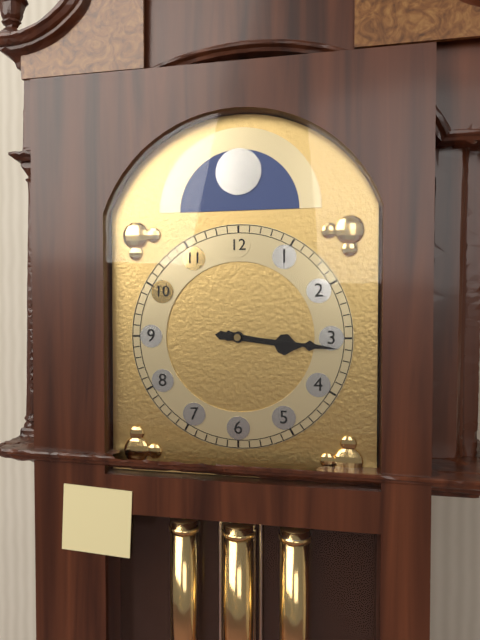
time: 3:16
